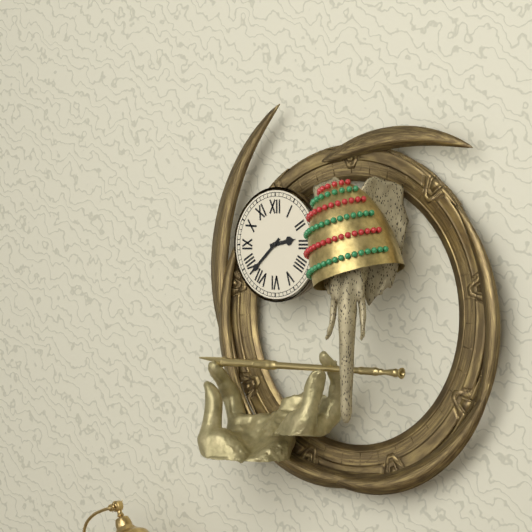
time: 2:38
